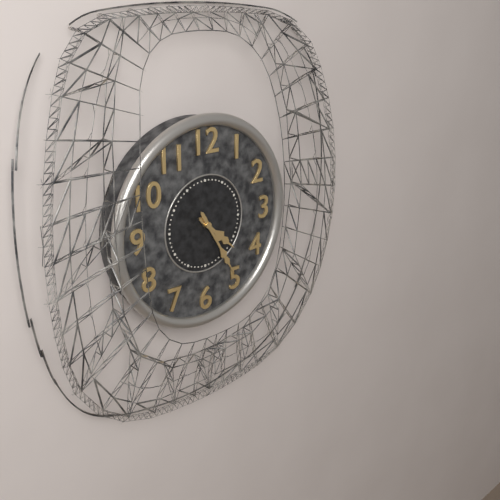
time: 4:25
